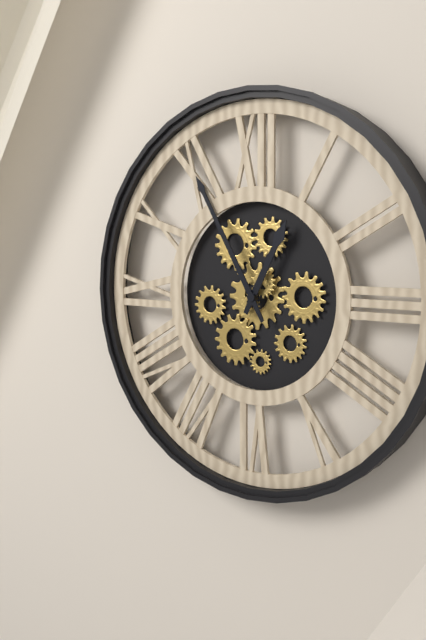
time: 12:55
